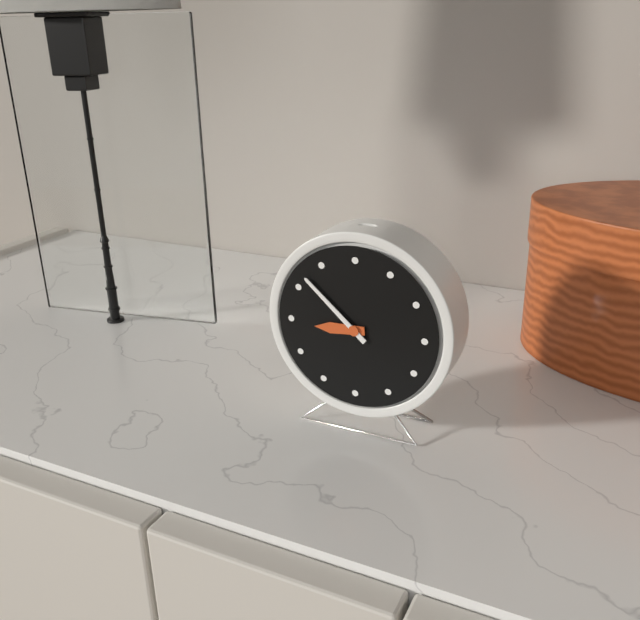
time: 8:52
